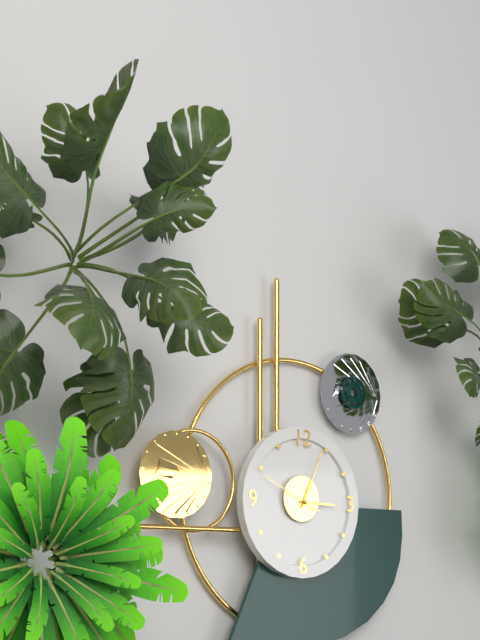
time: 3:04:49
